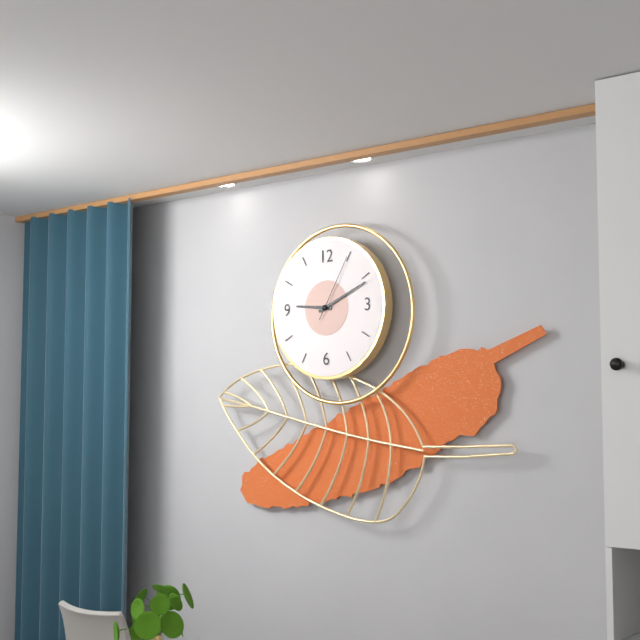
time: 9:11:05
